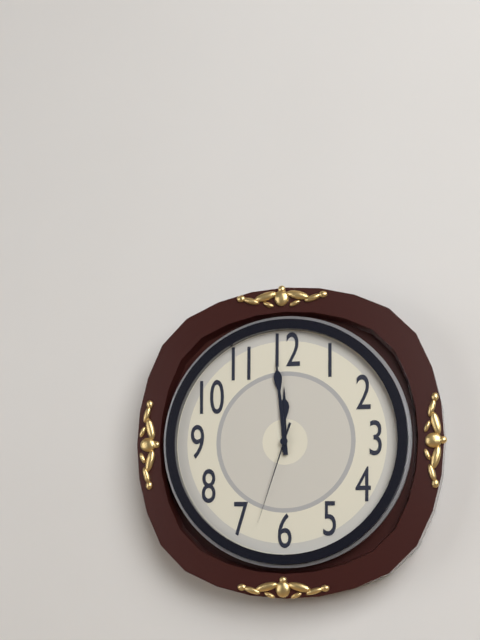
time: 11:59:33
